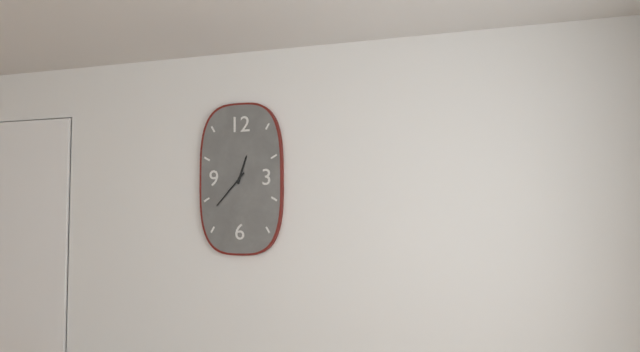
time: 12:37
